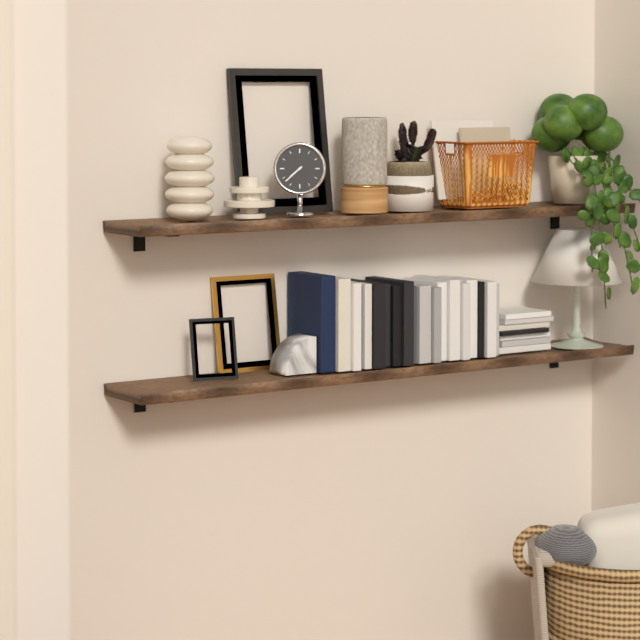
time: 7:38
